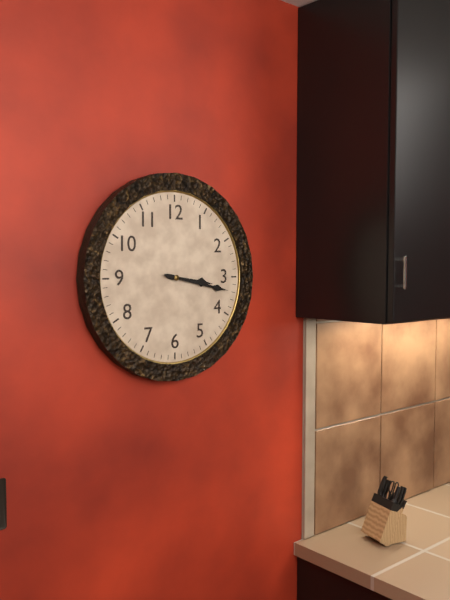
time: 3:17
